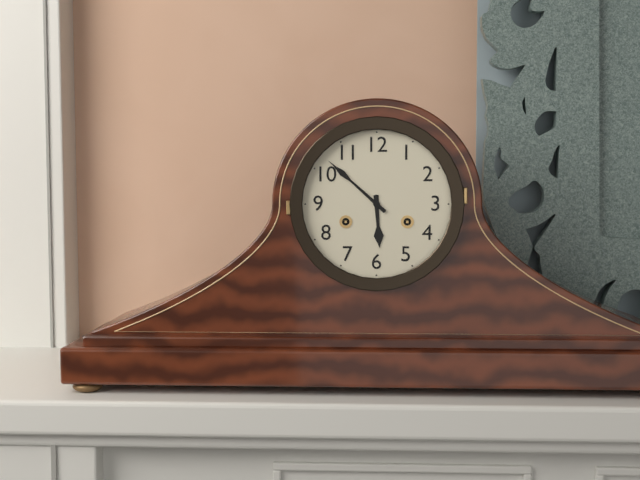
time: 5:52
